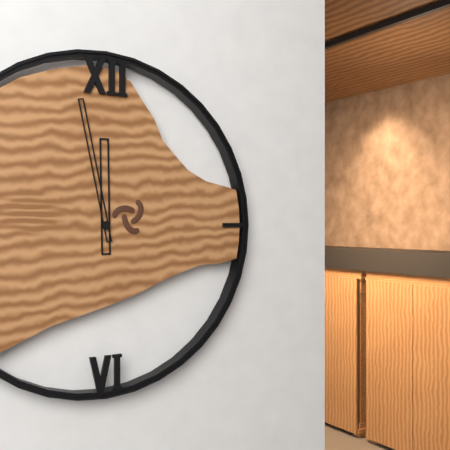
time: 11:58
